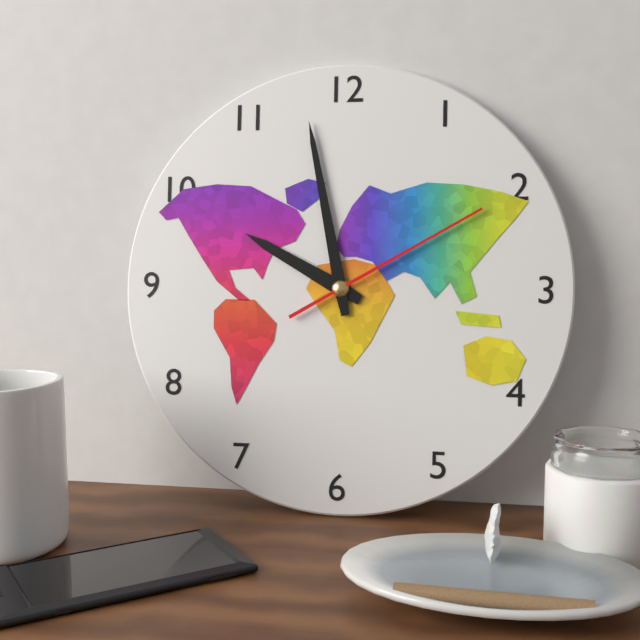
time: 9:58:10
